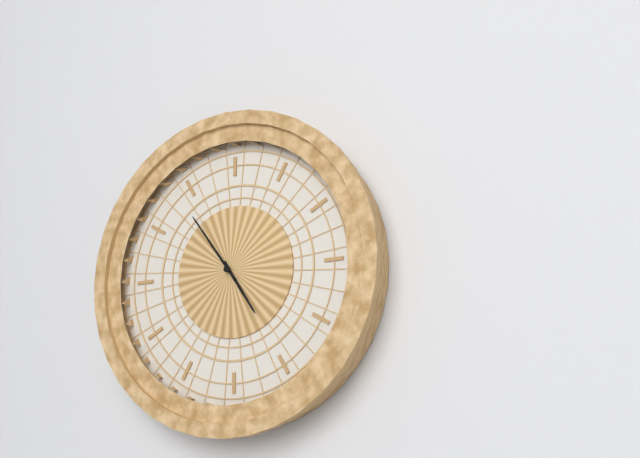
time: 4:54
